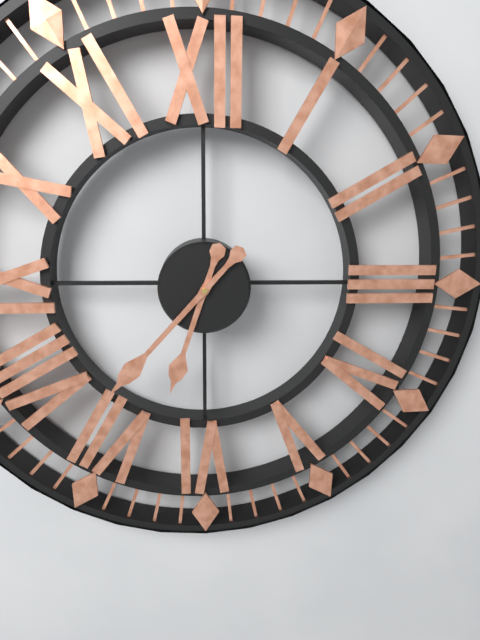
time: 6:37
